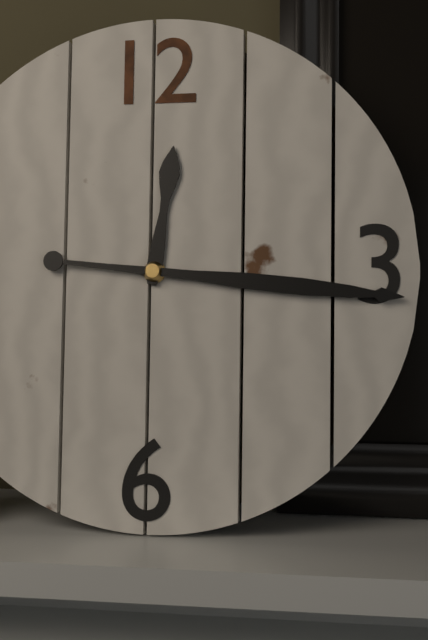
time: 12:16
